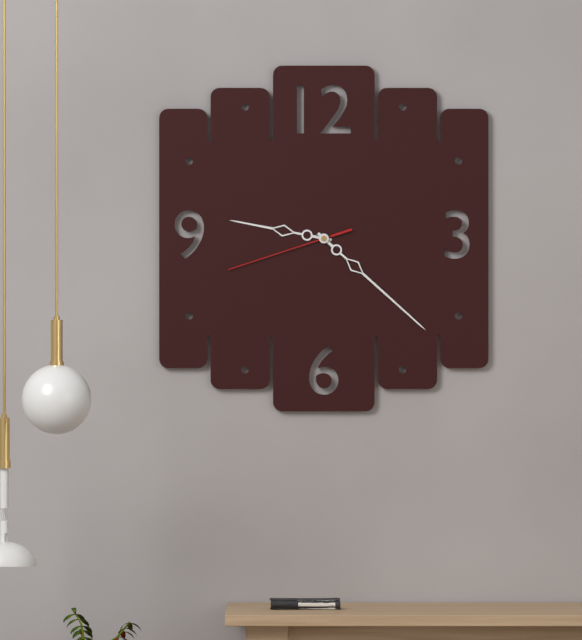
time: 9:22:42
